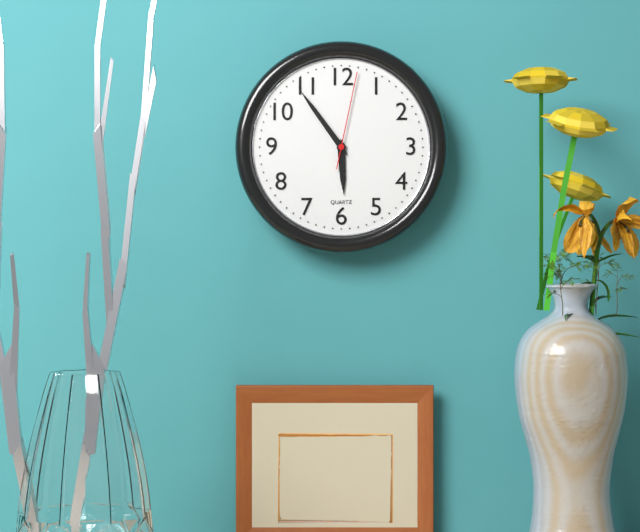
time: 5:54:02
